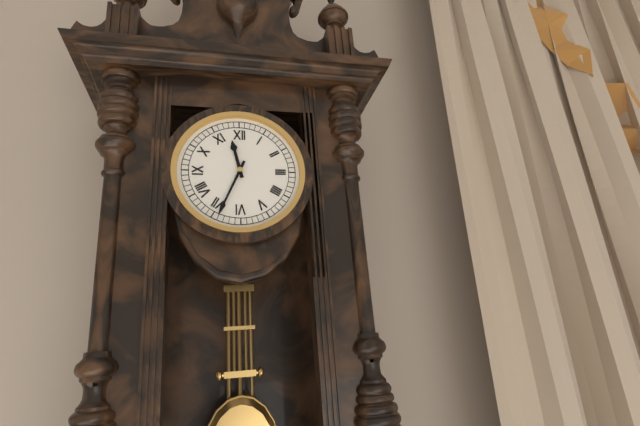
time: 11:34
